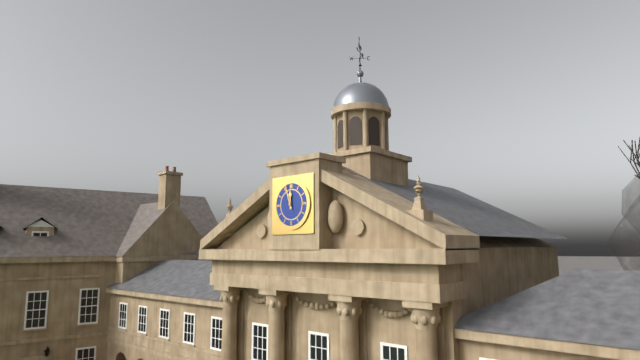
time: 11:57
